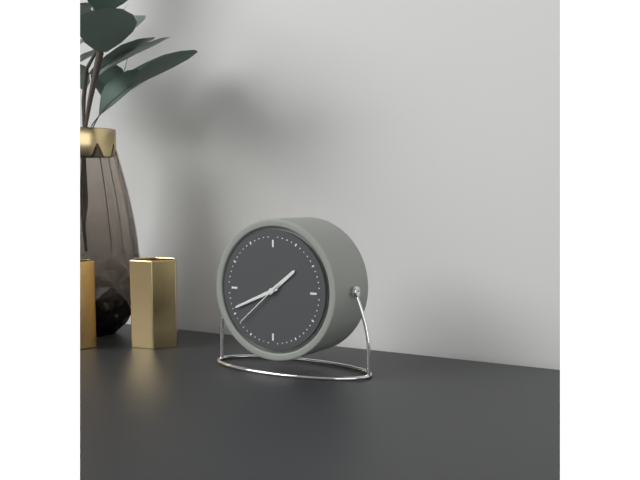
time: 1:41:38
